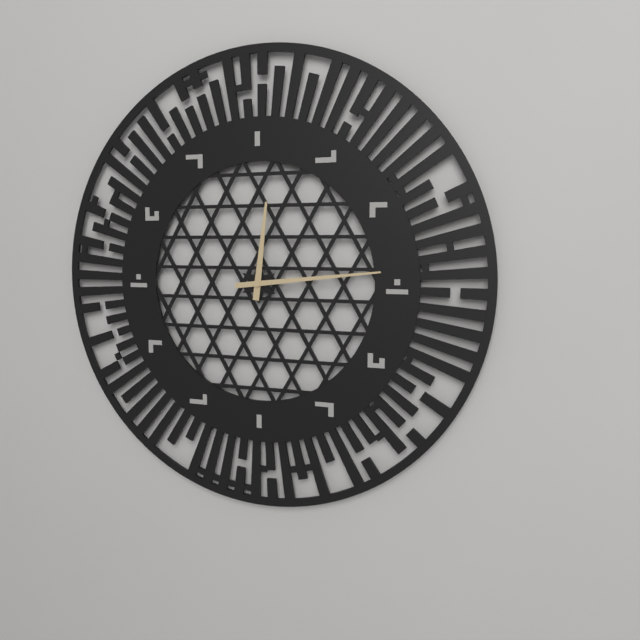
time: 12:14
